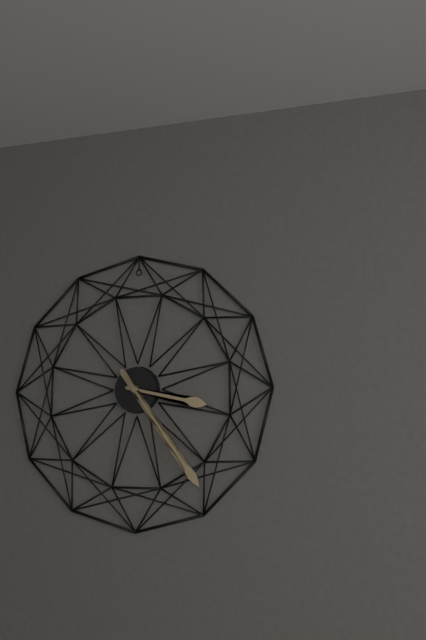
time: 3:24
